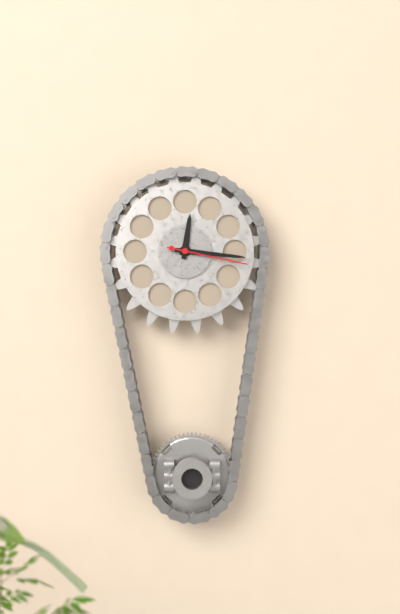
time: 12:16:17
